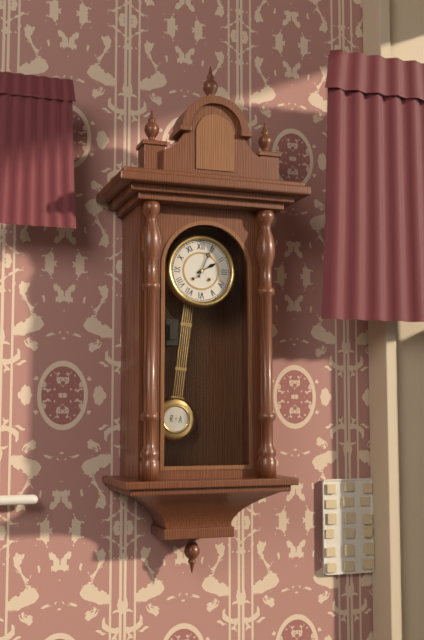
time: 2:04
